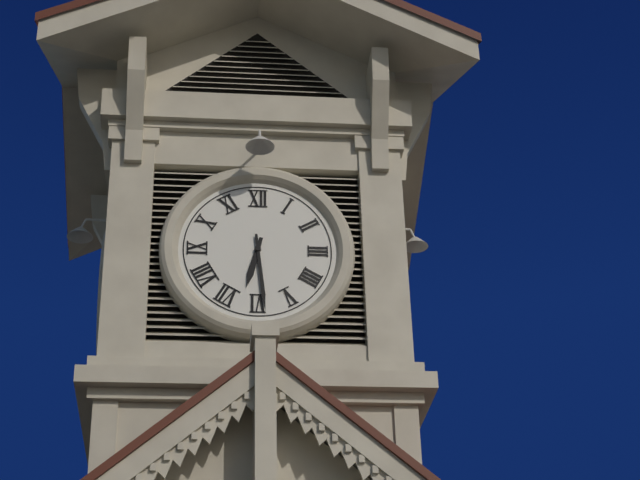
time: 6:29
